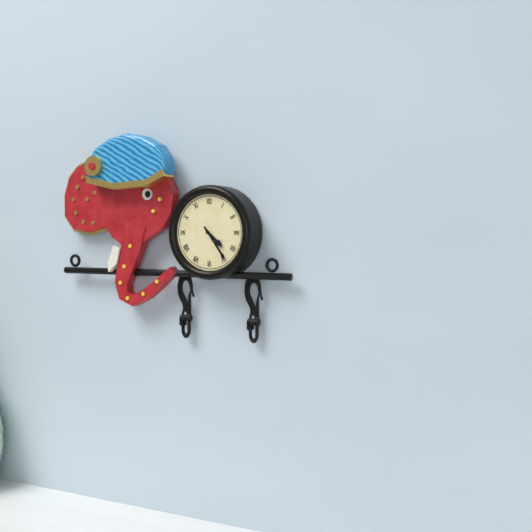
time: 4:24
